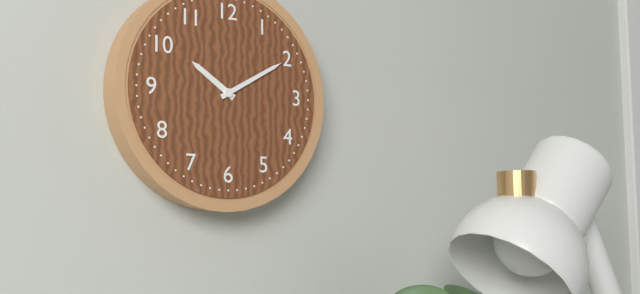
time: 10:10
